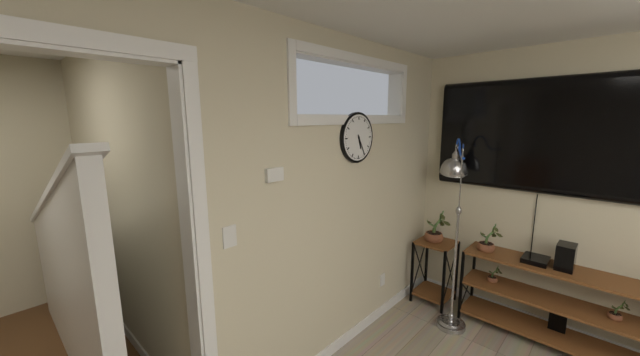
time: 5:25
